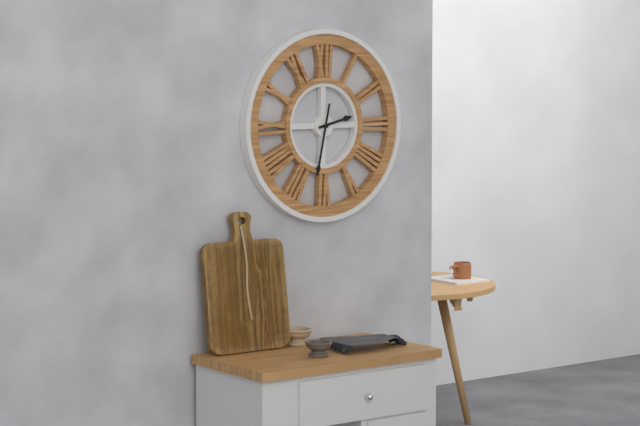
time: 2:32
